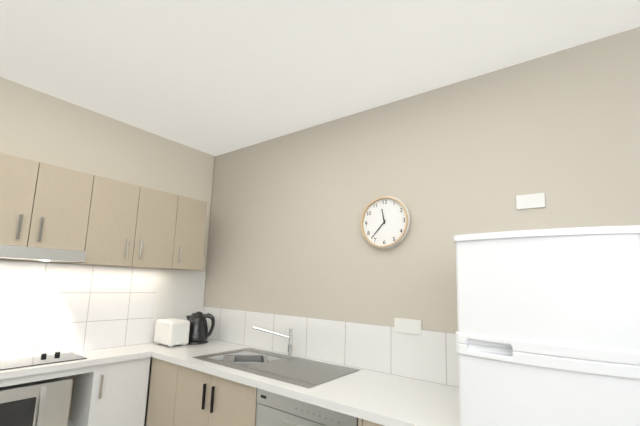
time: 11:37
